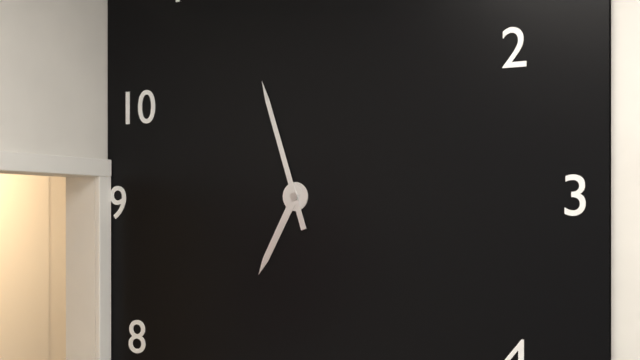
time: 6:57
